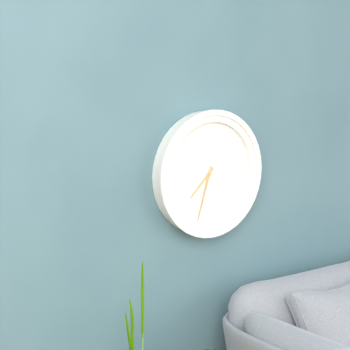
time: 7:33
